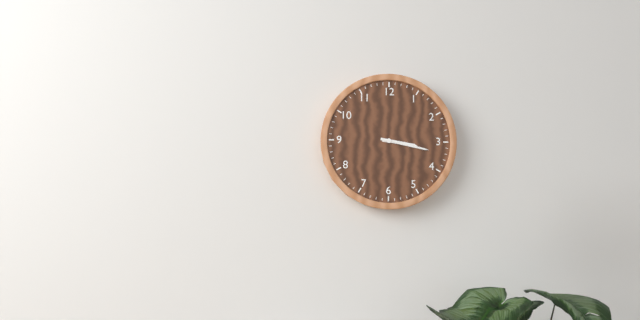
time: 3:17
